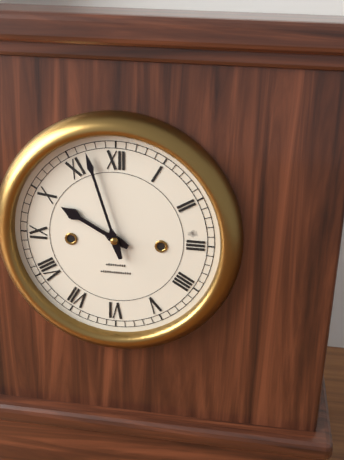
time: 9:57
